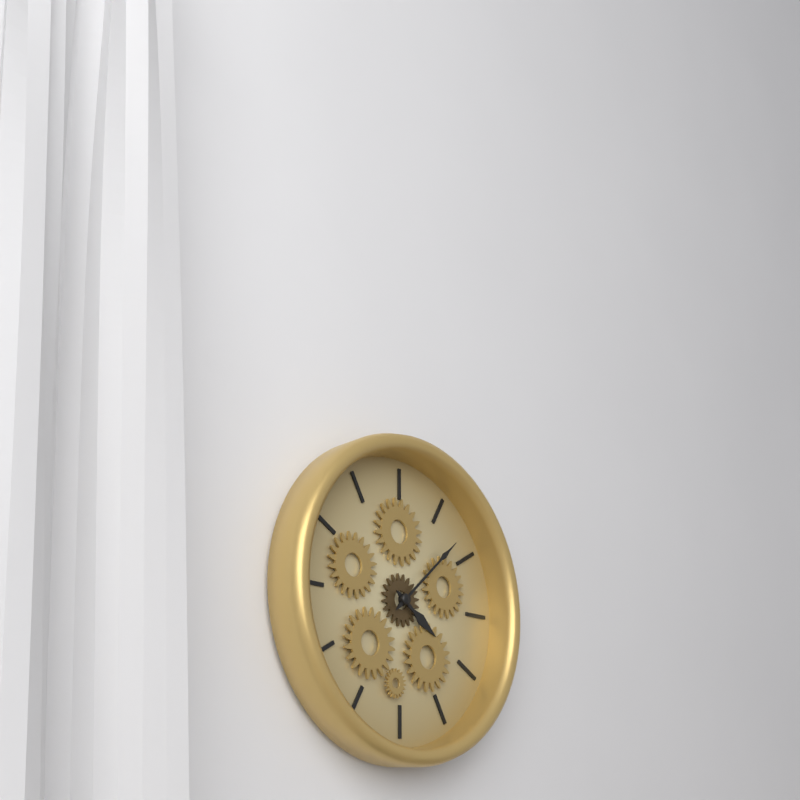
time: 4:08
